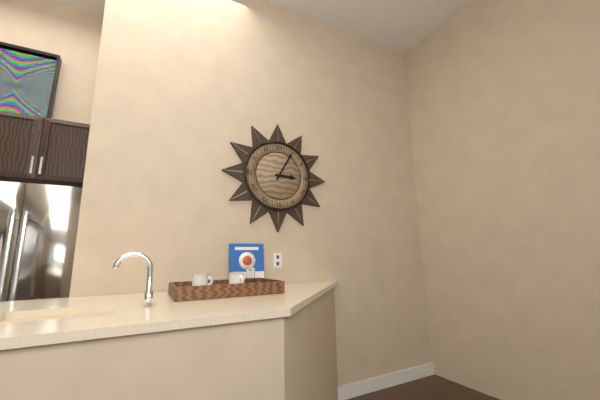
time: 3:05
